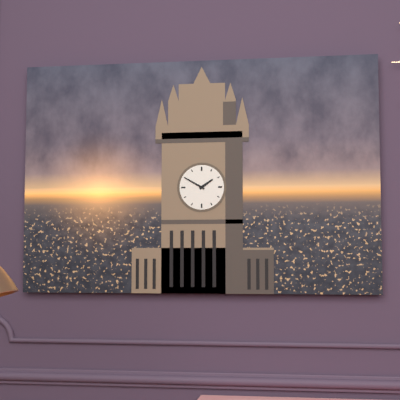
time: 1:50
